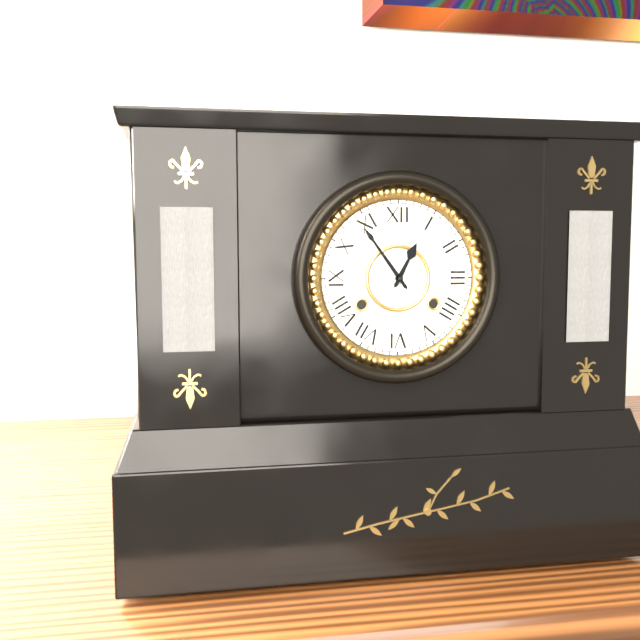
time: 12:54
